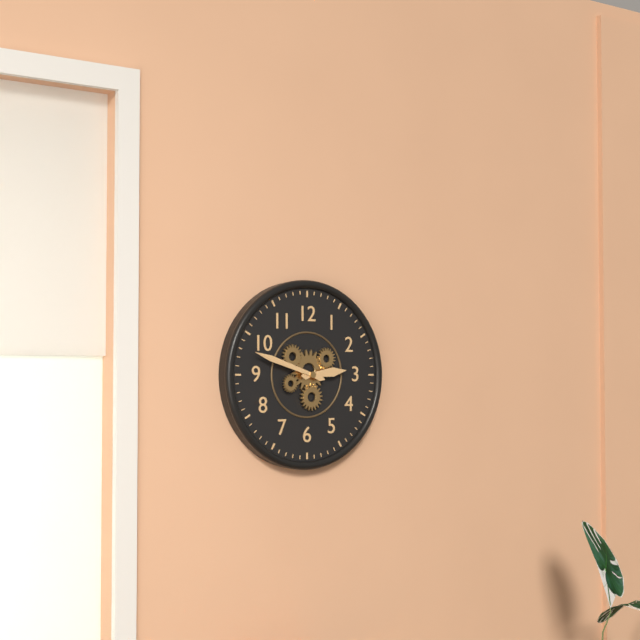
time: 2:48
